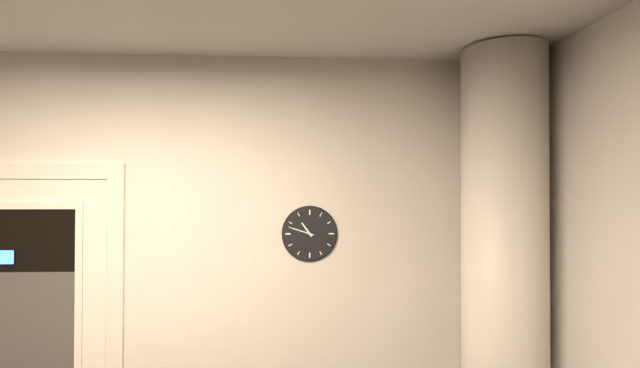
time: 10:48
